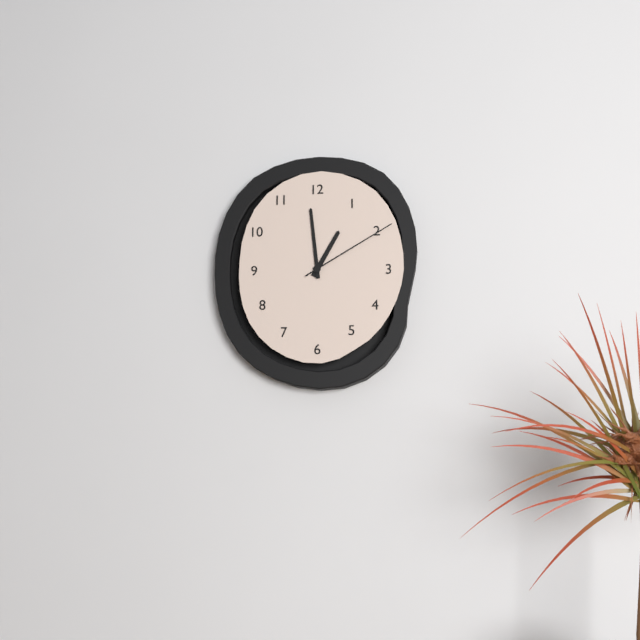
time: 12:59:10
